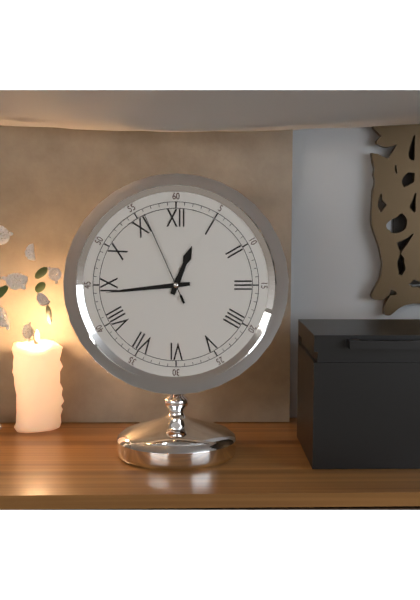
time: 12:44:56
